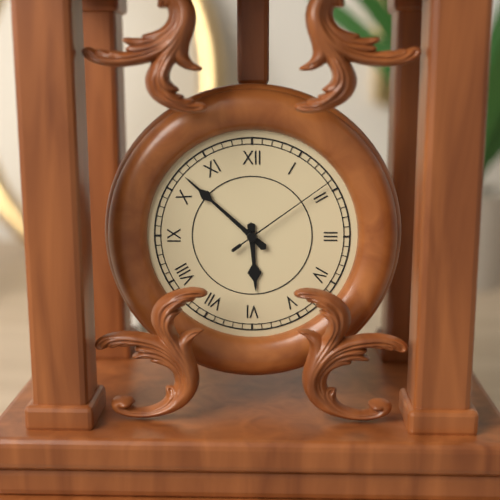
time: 5:52:09
